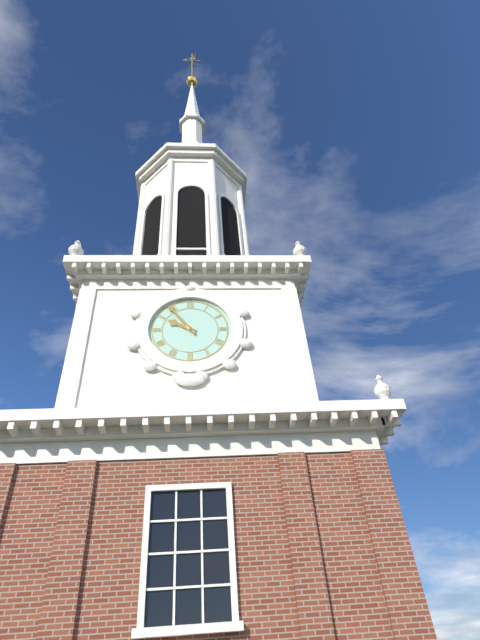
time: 9:54
